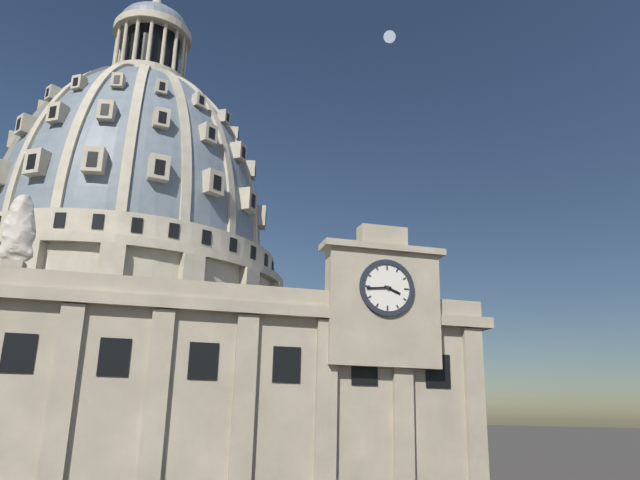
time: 3:44
